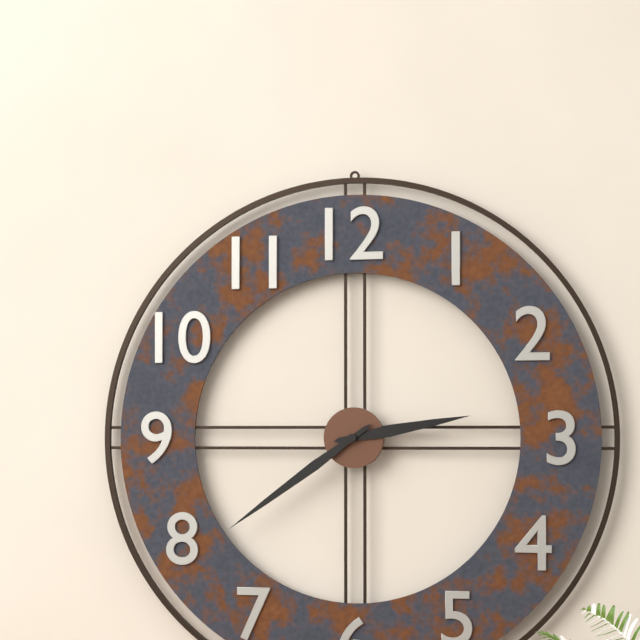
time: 2:39
